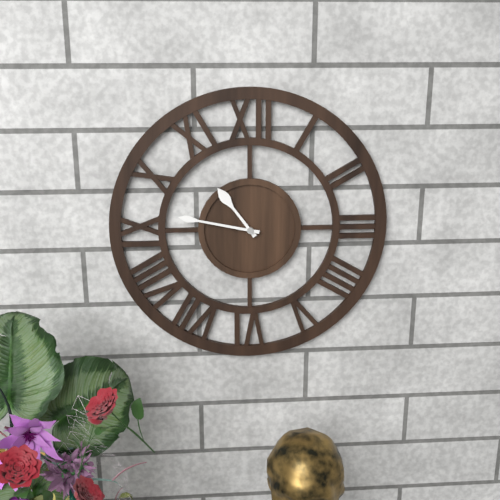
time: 10:47
